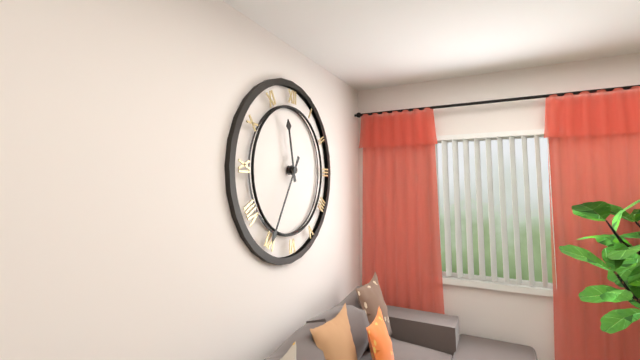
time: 11:35
